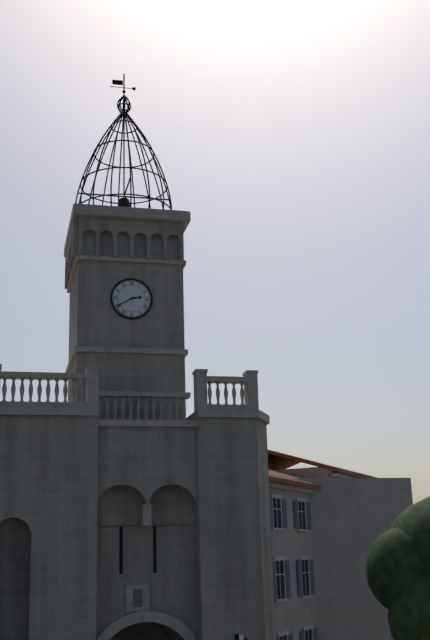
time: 2:40
